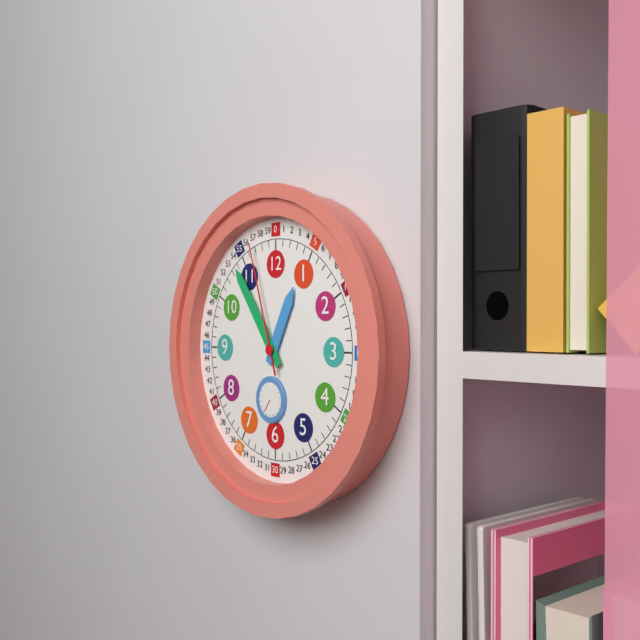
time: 12:54:57
